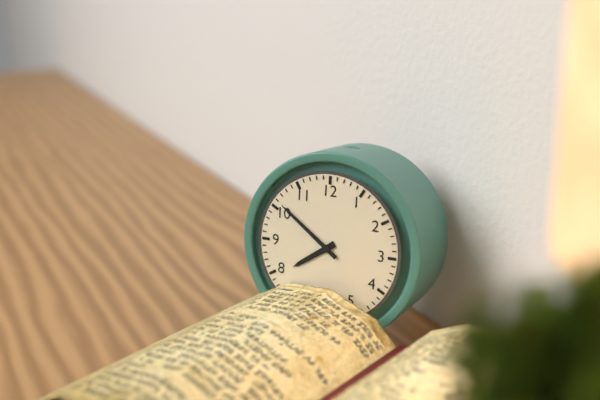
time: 7:51
